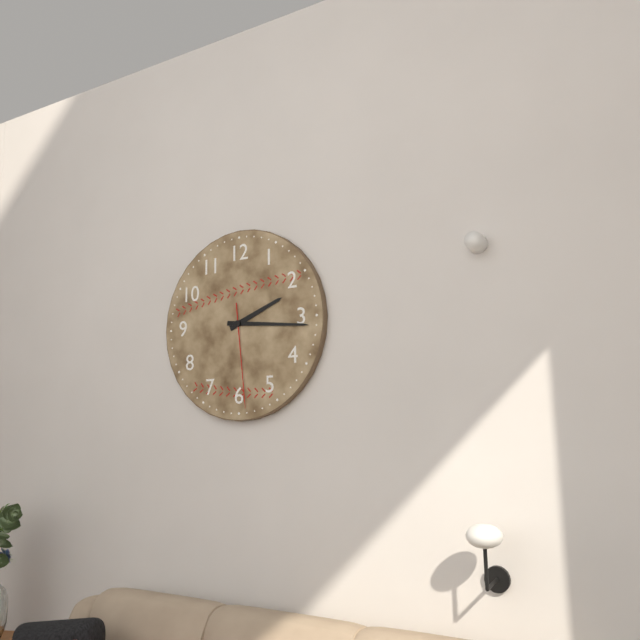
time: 2:16:29
